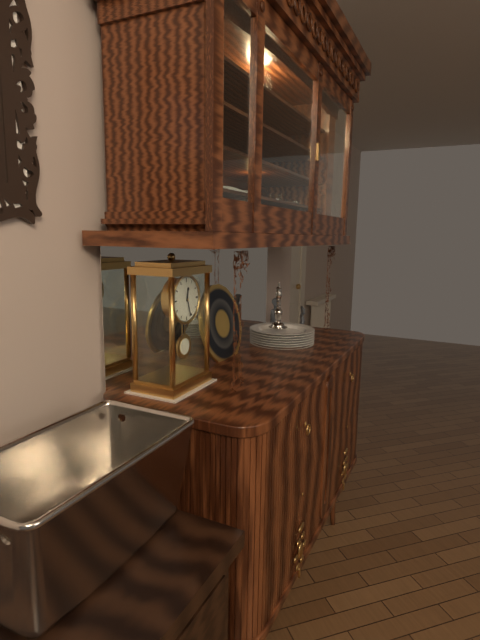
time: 12:27
